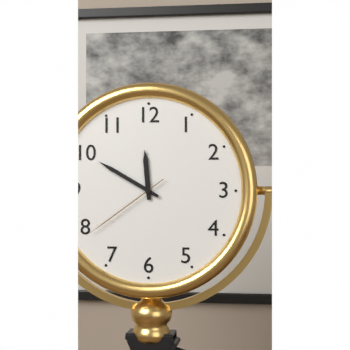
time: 11:50:39
